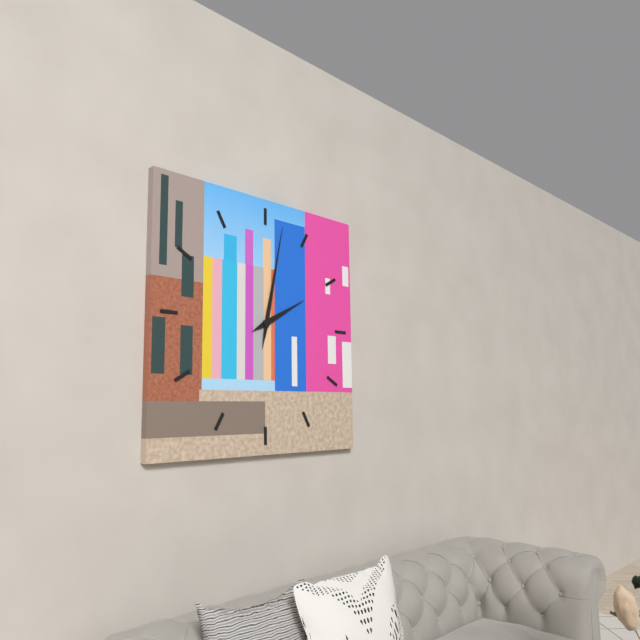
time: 2:02
